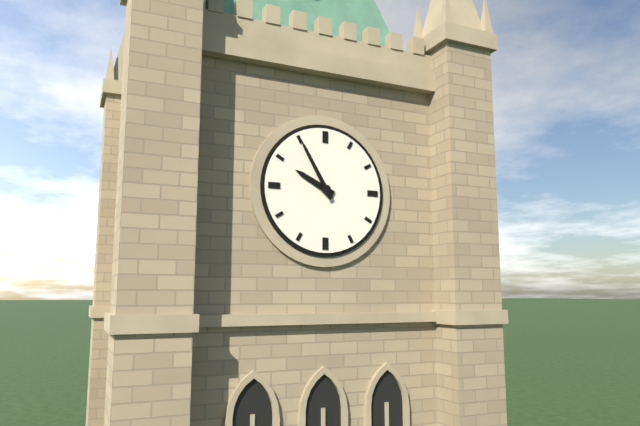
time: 9:55
